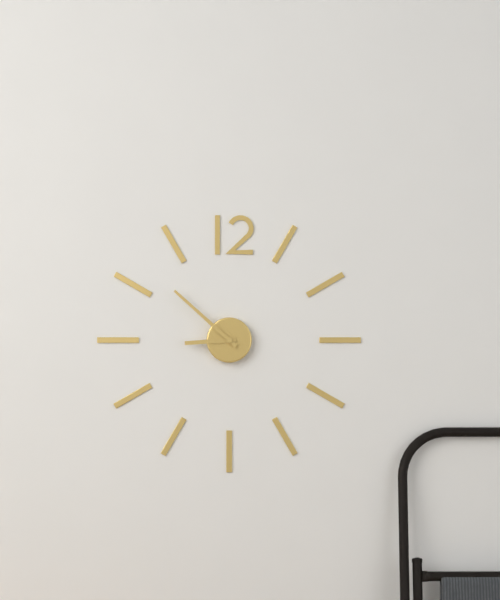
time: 8:52
